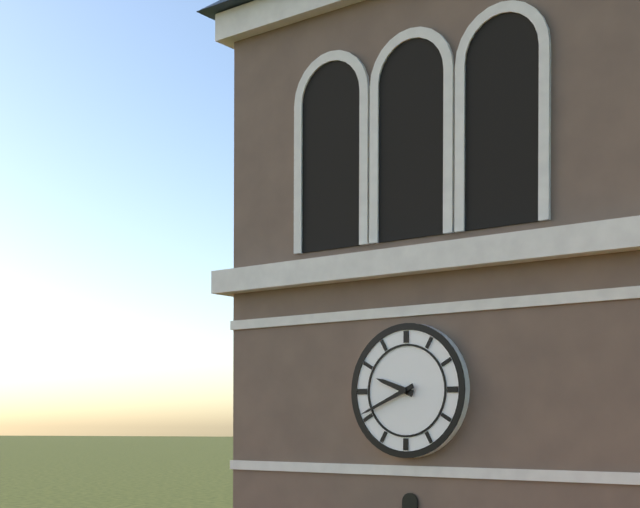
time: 9:41
